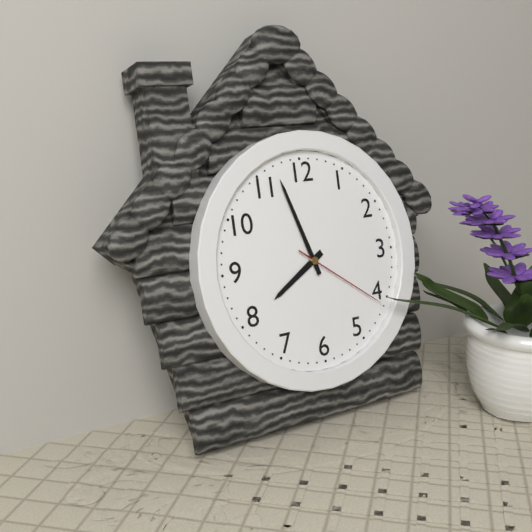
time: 7:57:21
